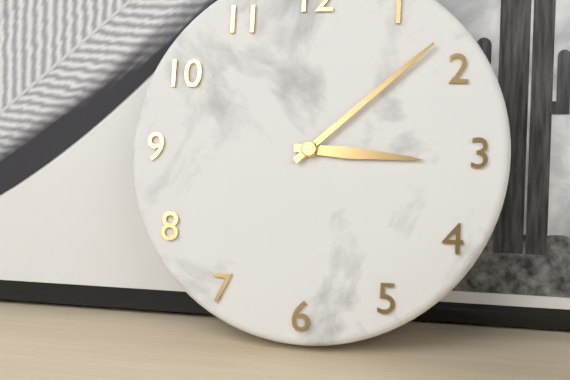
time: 3:08
